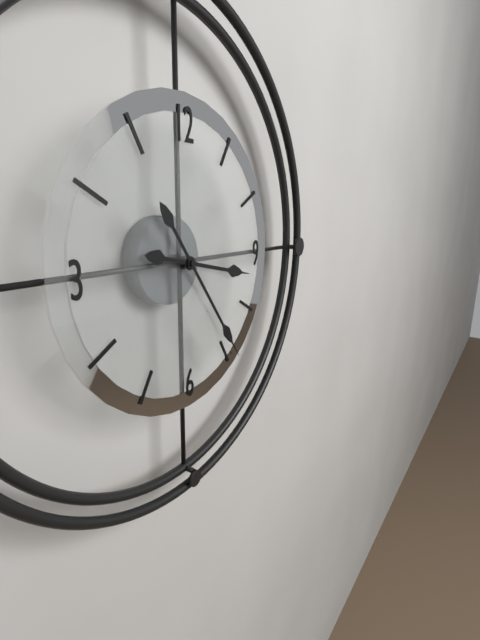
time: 3:24
